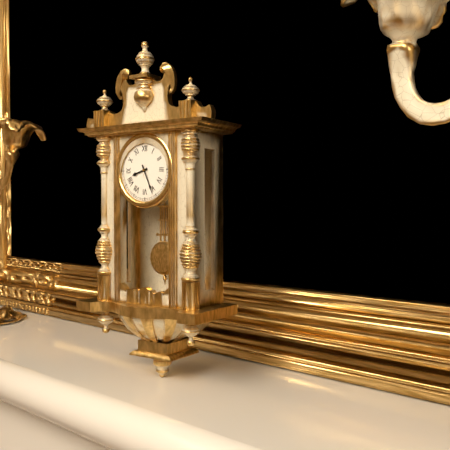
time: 8:26
